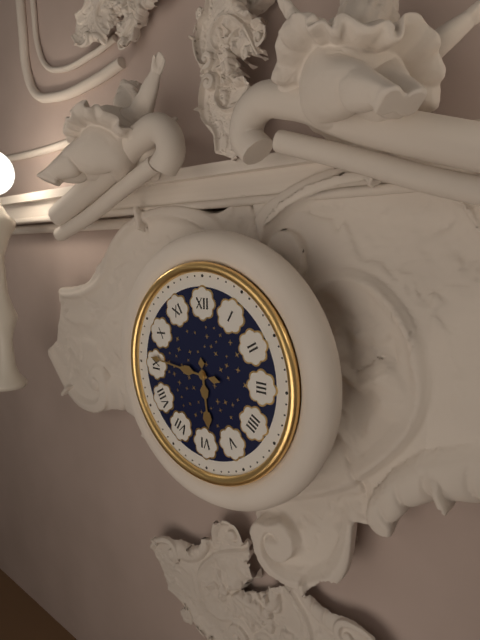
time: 5:46
